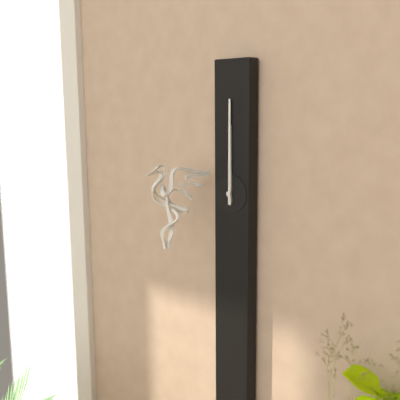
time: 12:00
